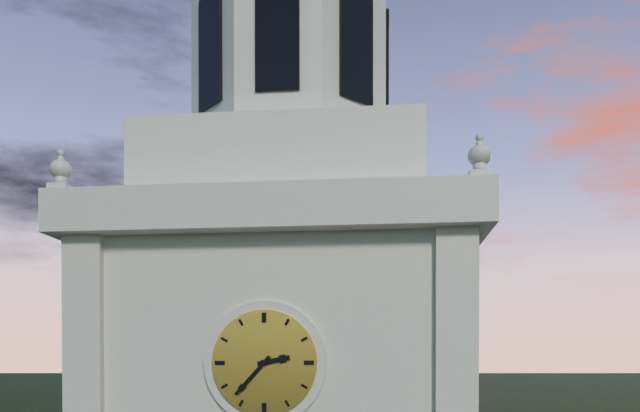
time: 2:37
